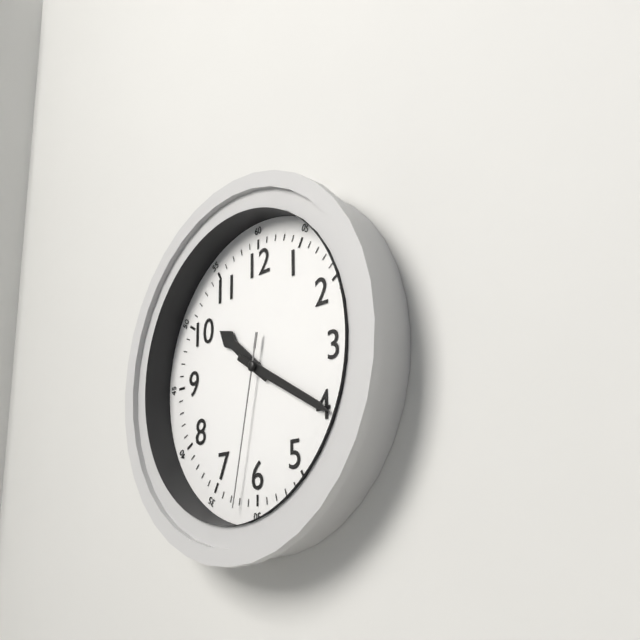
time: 10:20:32
